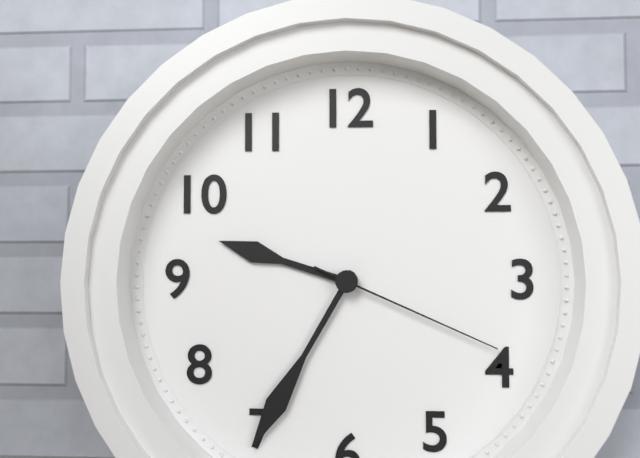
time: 9:35:19
